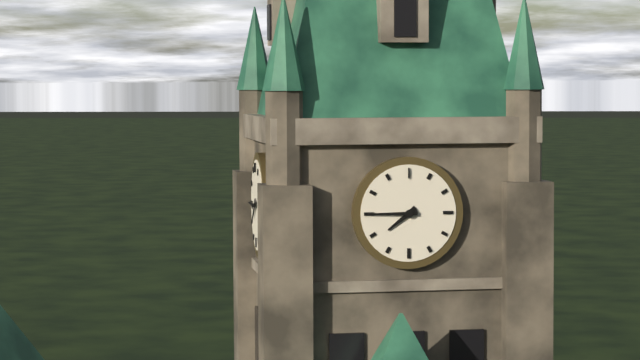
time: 7:45
